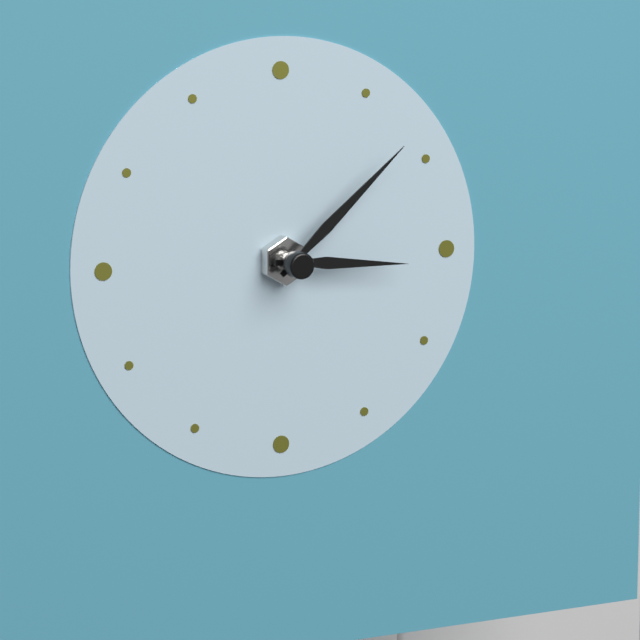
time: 3:08
